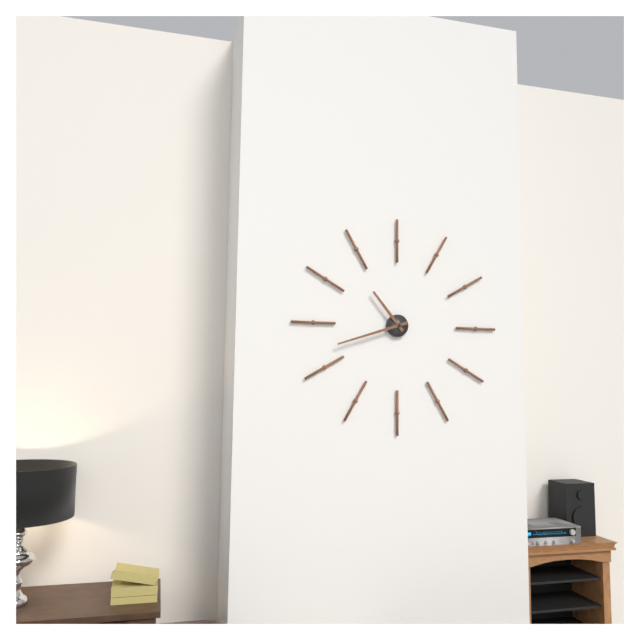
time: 10:42
